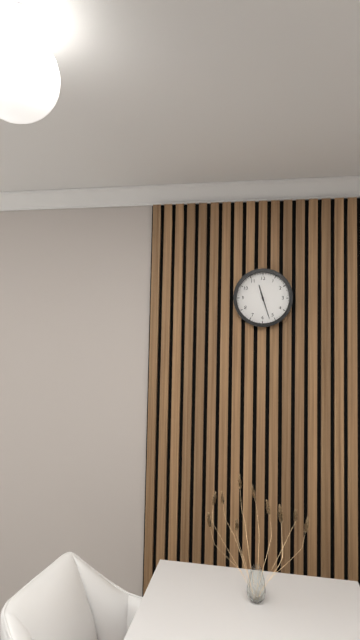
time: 11:27
